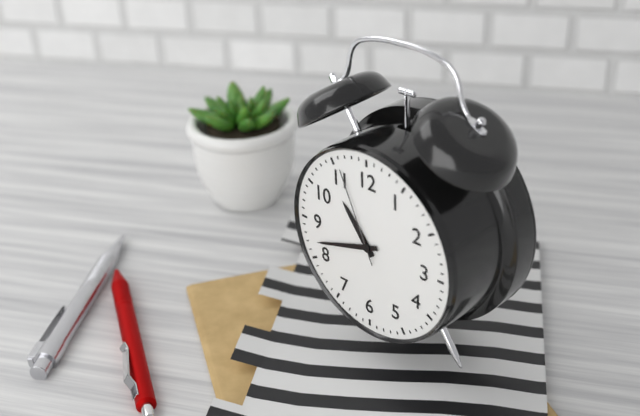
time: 10:42:56
